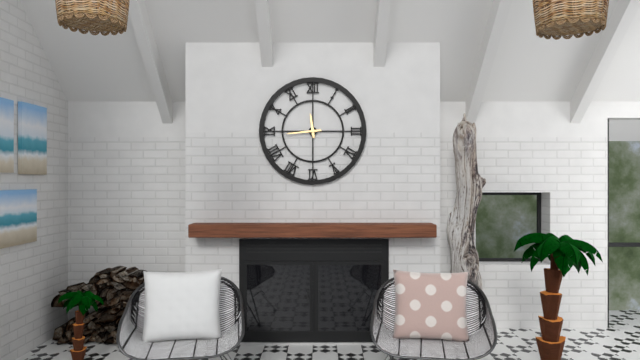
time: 11:44
